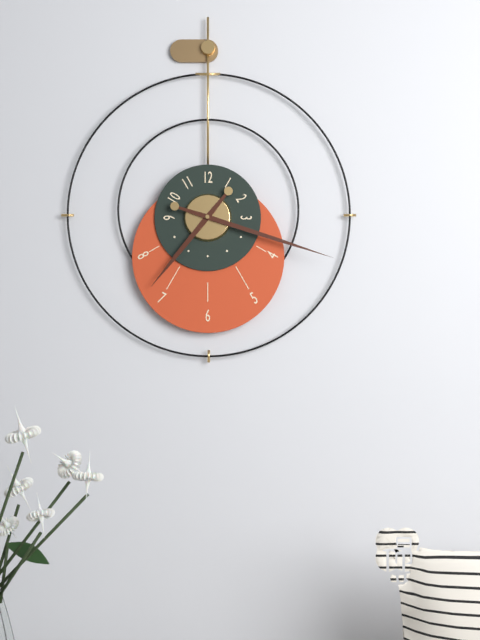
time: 7:18
